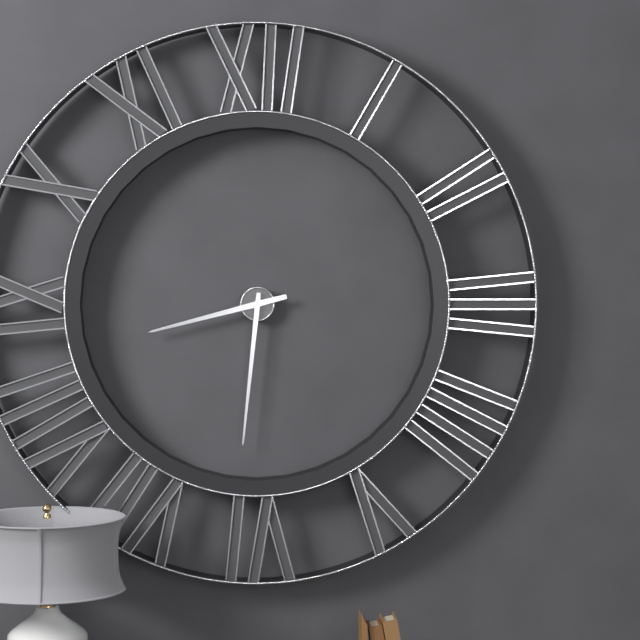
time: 8:31
